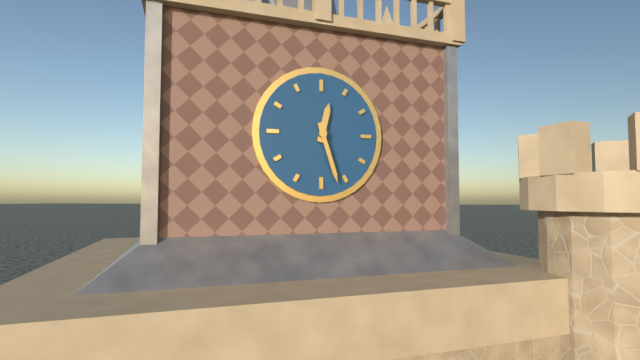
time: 12:27
